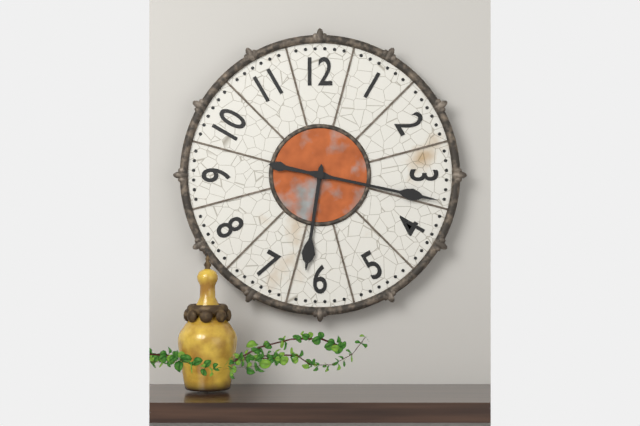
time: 6:17
